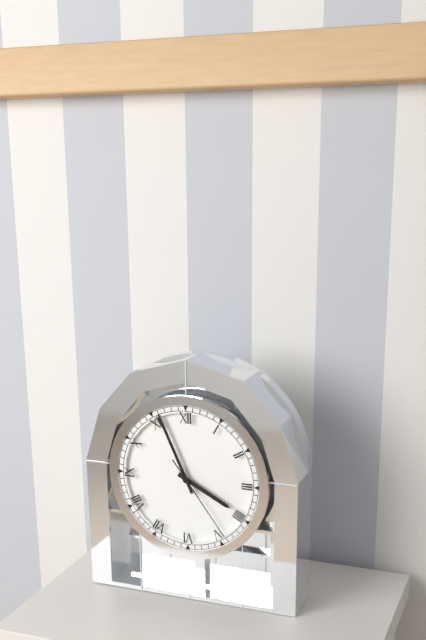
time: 3:56:24
